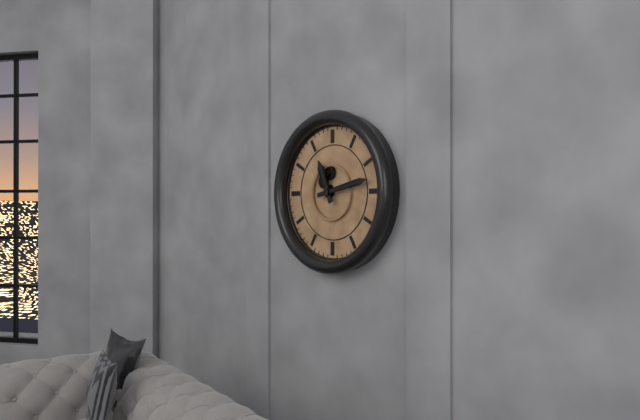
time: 11:13
